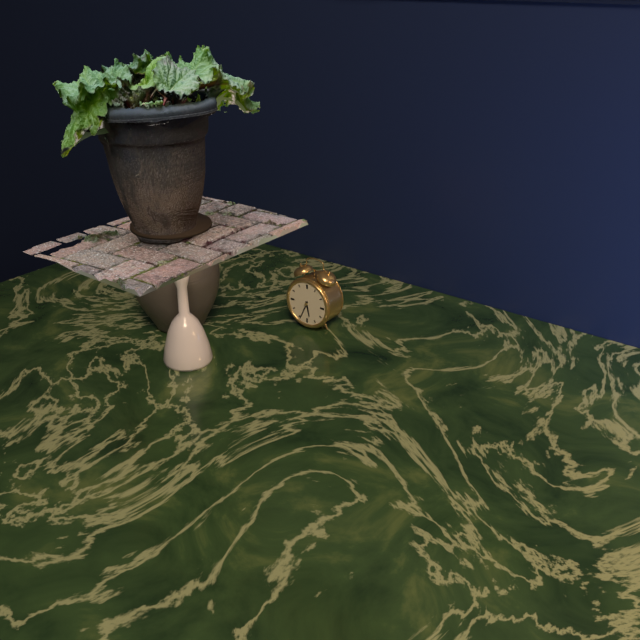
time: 5:34
